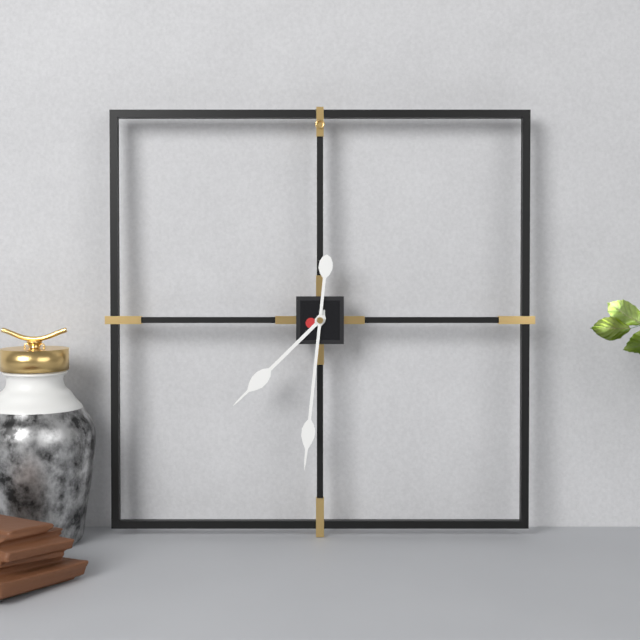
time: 7:31
